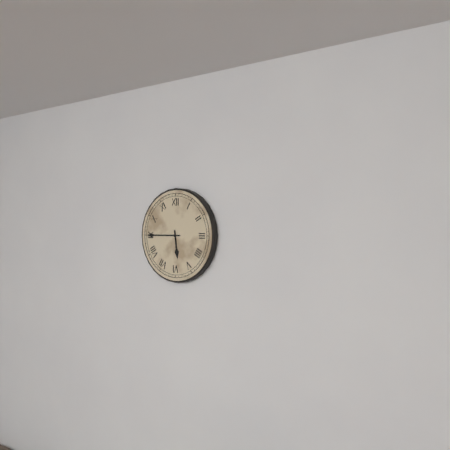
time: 5:45
